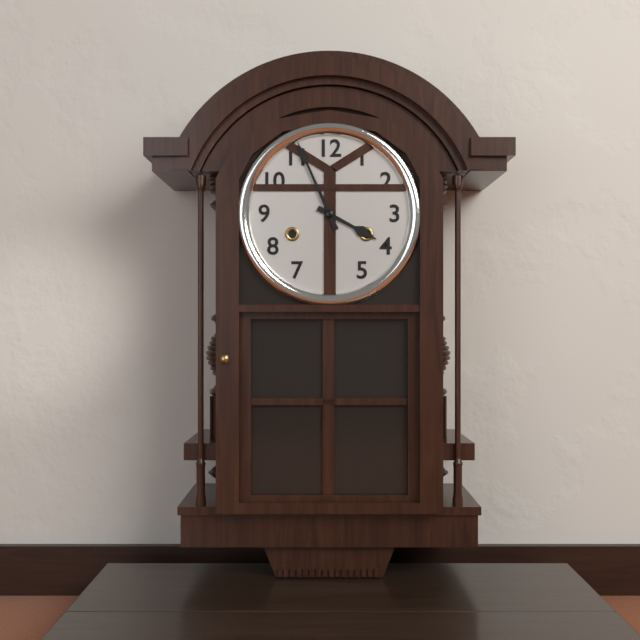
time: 3:56
